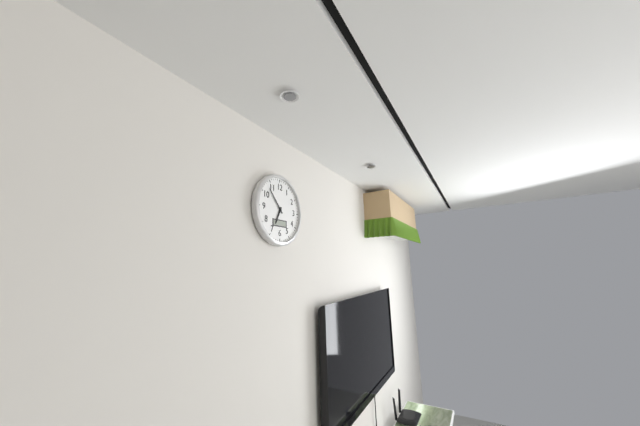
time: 6:53
